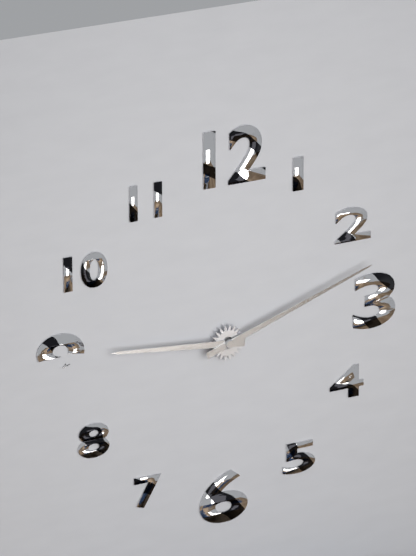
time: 9:12
